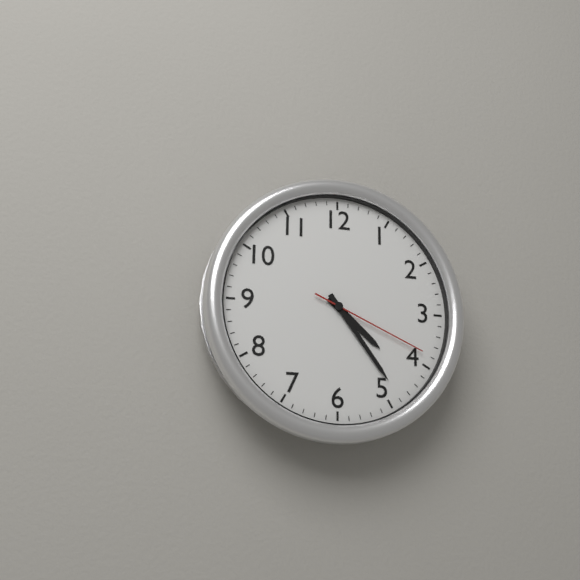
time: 4:24:19
